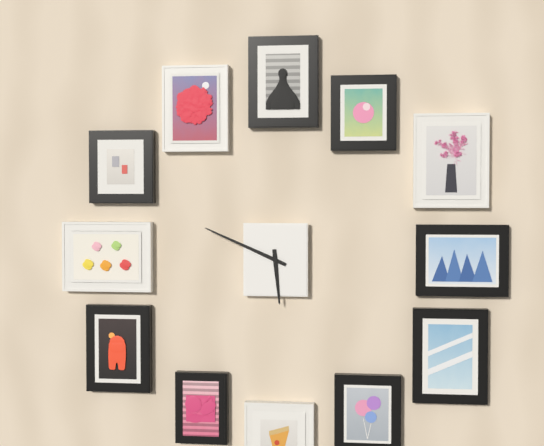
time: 5:49
